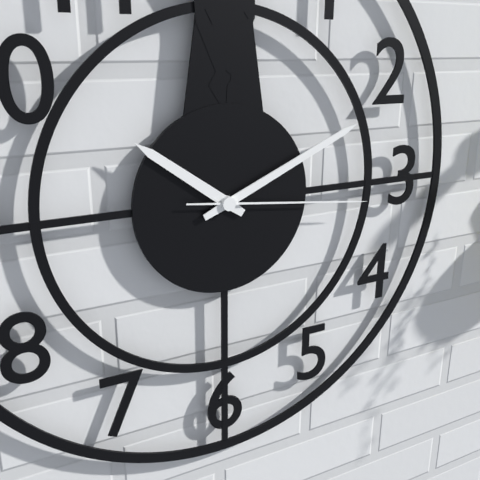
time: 10:11:16
